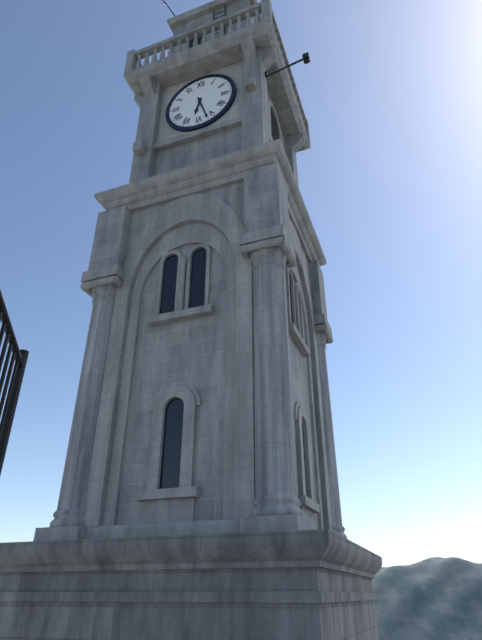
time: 6:27
